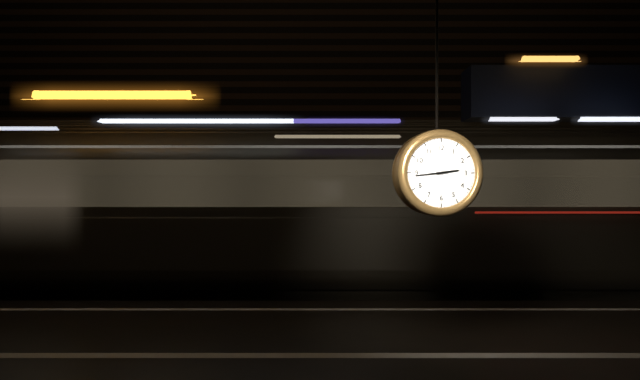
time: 2:44
